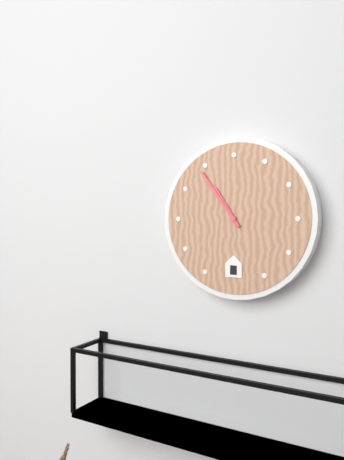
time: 10:54
